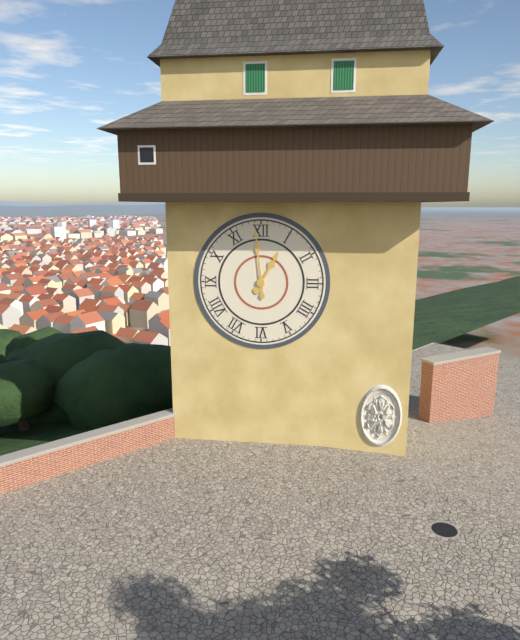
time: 12:59
